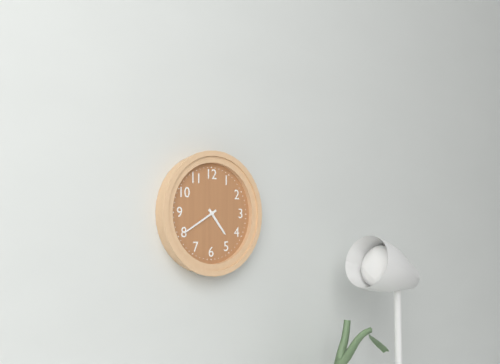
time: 4:40
